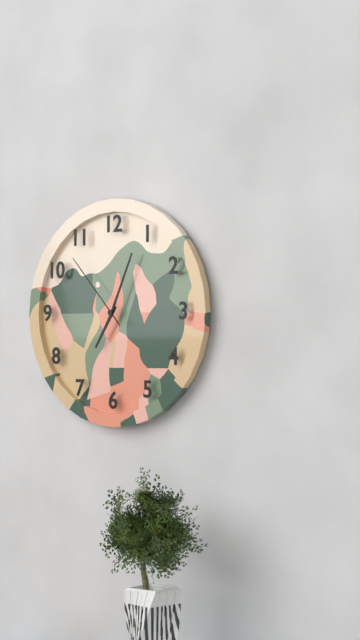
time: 7:04:53
